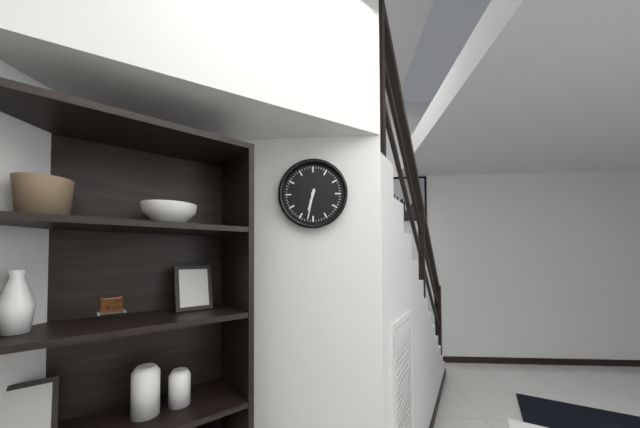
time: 6:32
